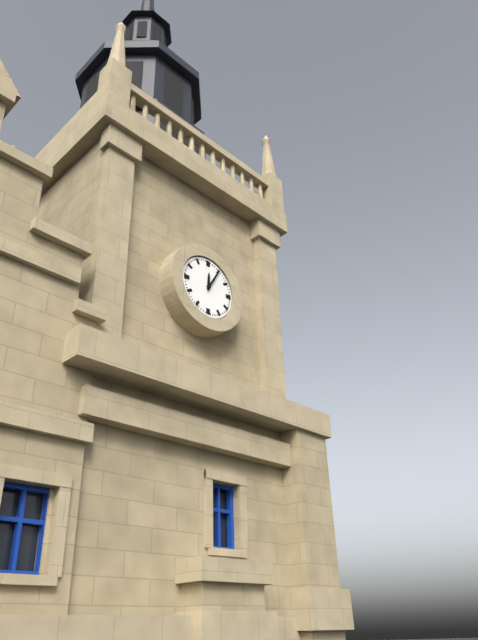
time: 12:05
